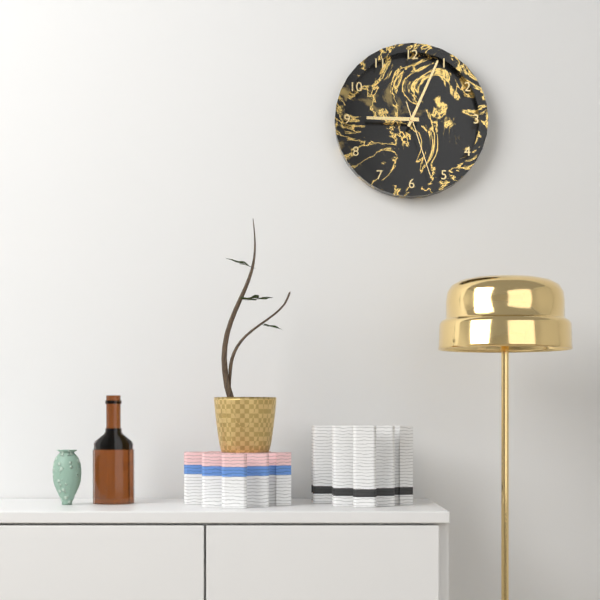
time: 9:04:27
